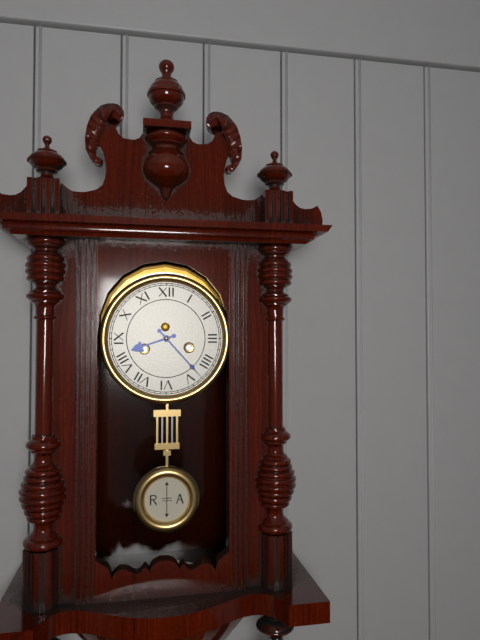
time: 8:23
